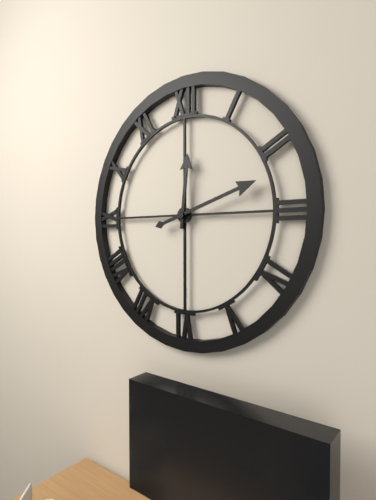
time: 12:12
